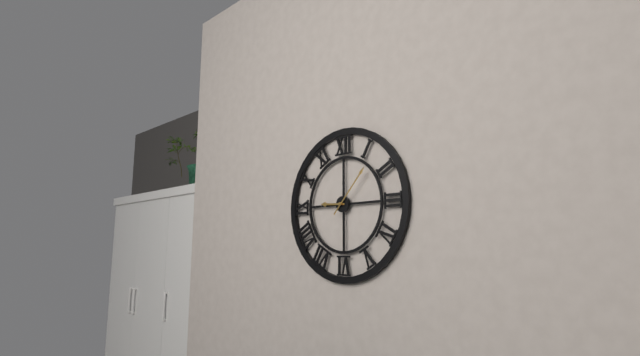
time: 9:07
